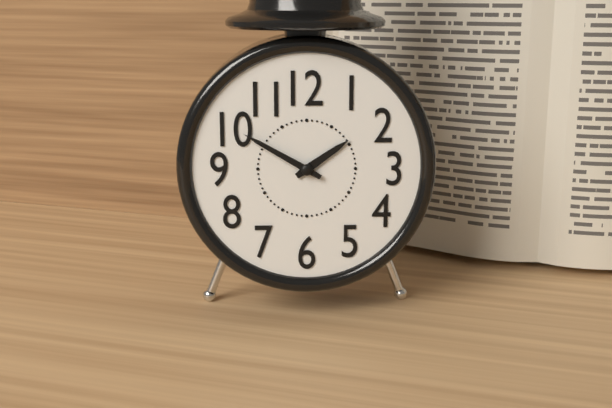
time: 1:50
